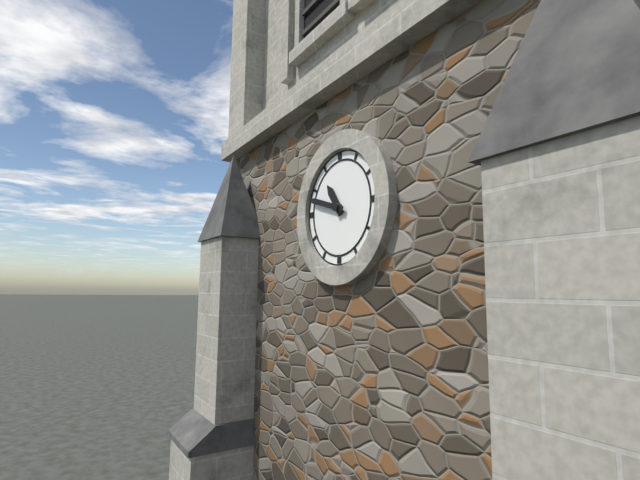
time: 10:48
